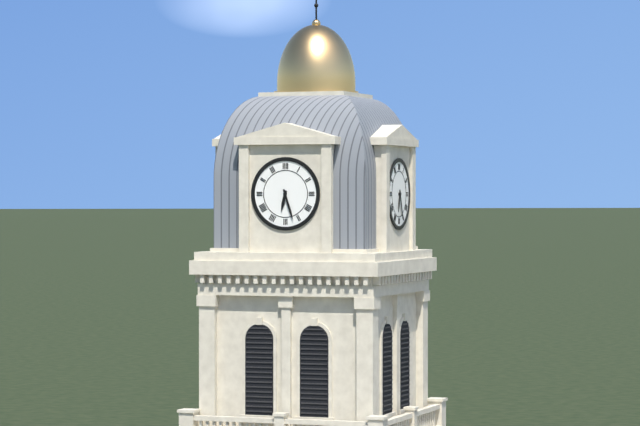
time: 6:27
